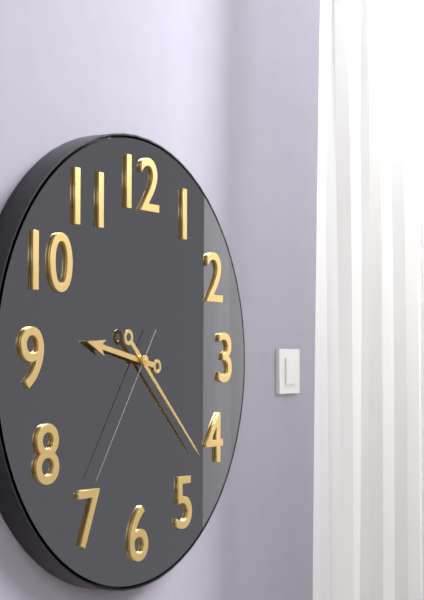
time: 9:22:36
